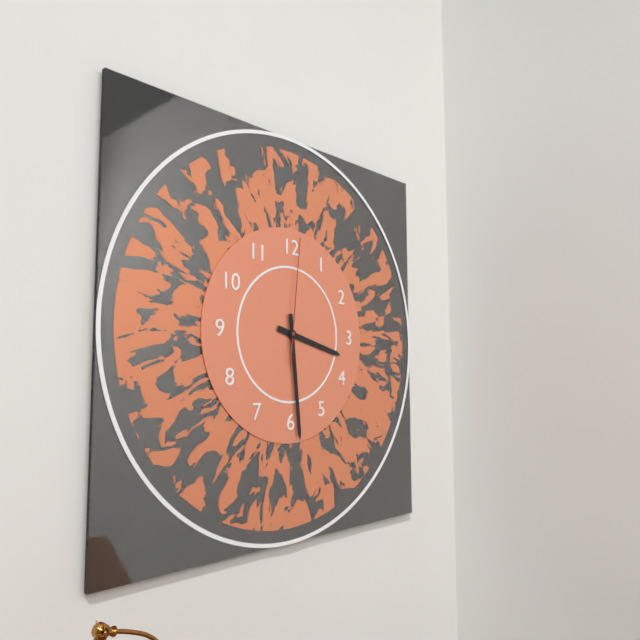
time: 3:29:01
